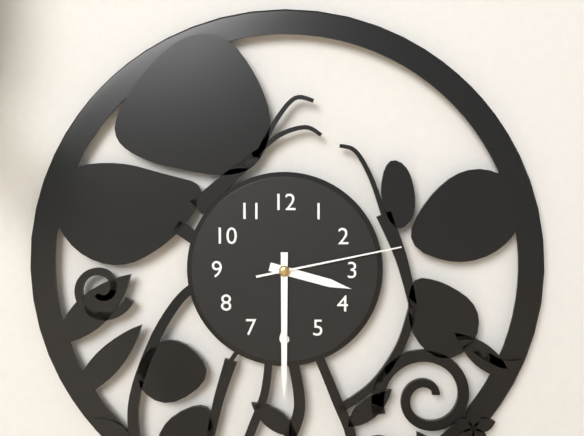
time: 3:30:13
